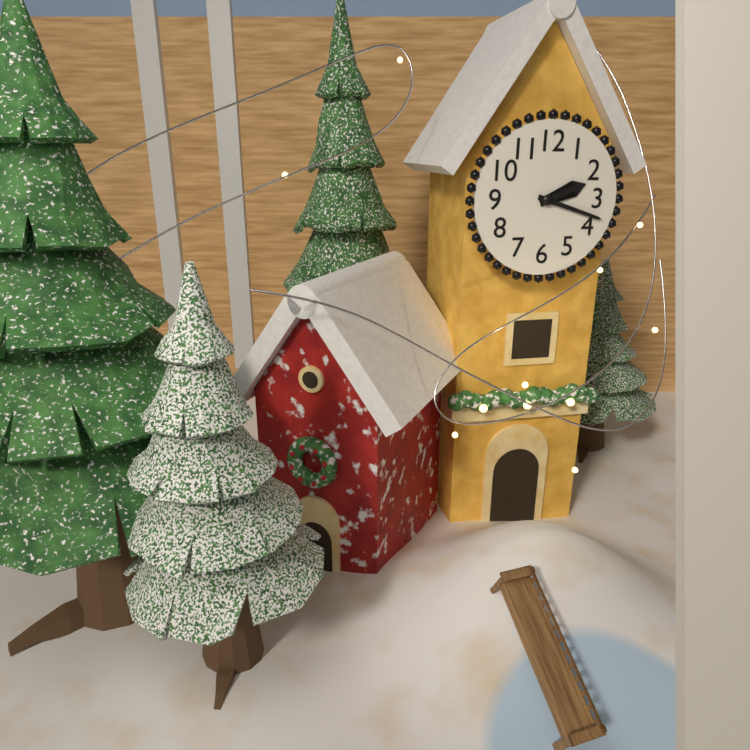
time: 2:18
